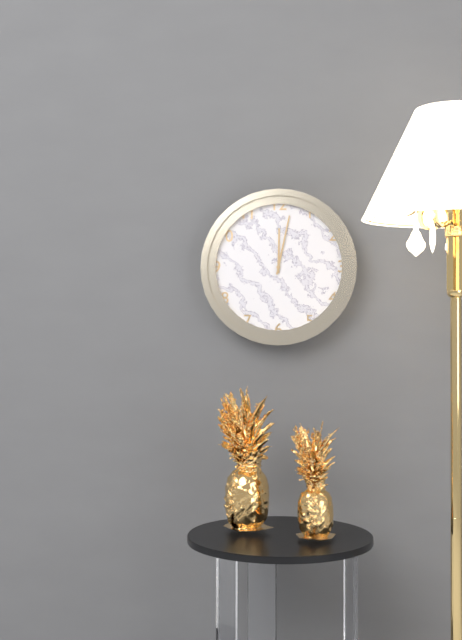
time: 12:02
